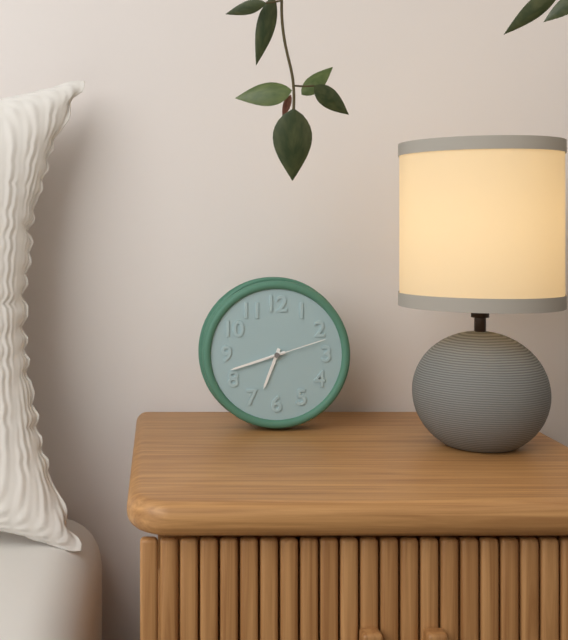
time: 6:42:12
